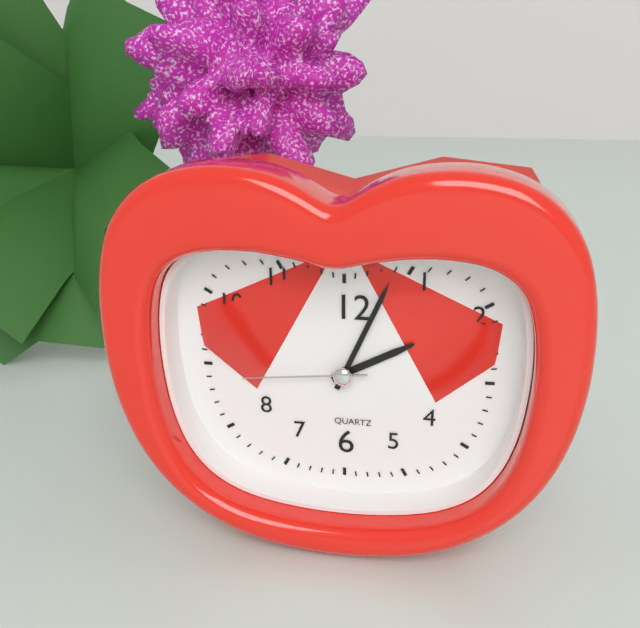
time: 2:04:44
